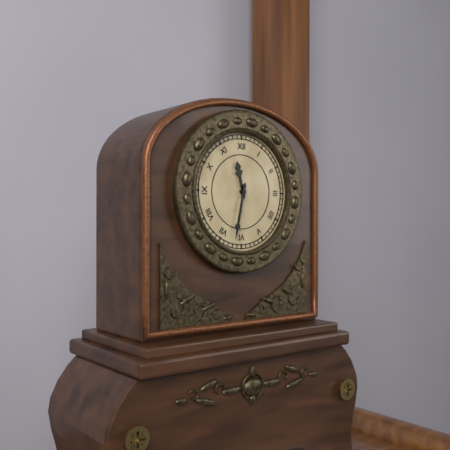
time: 11:32
